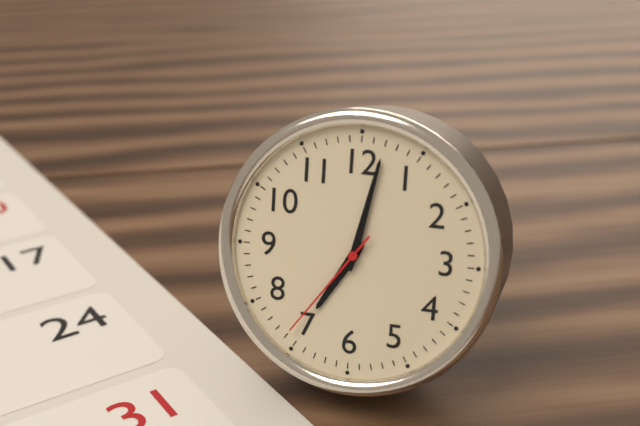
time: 7:02:36
